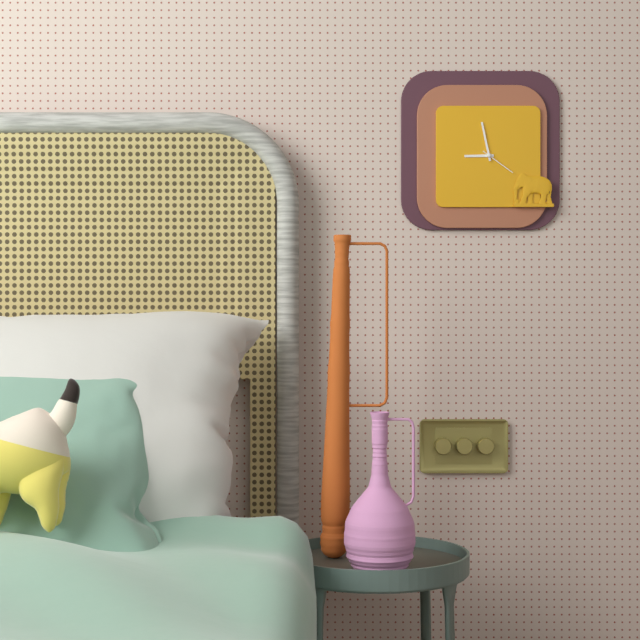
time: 8:58
